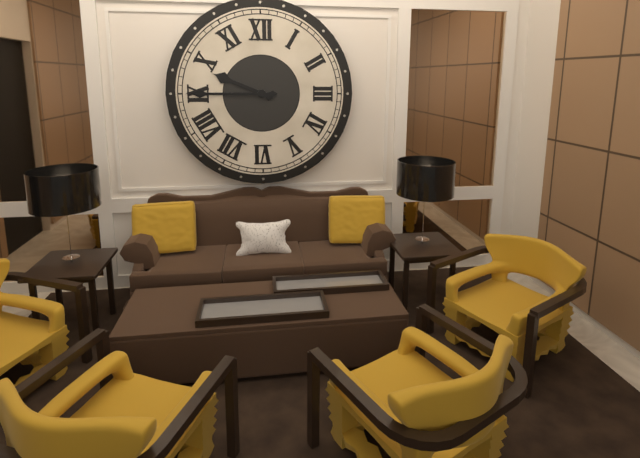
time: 9:45
